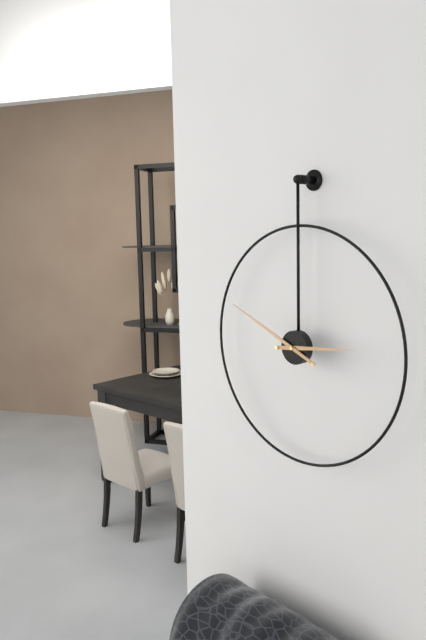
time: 2:49
